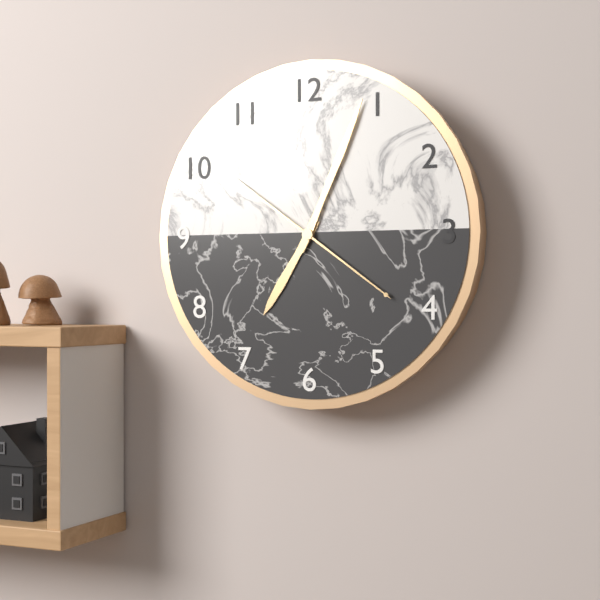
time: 7:04:21
